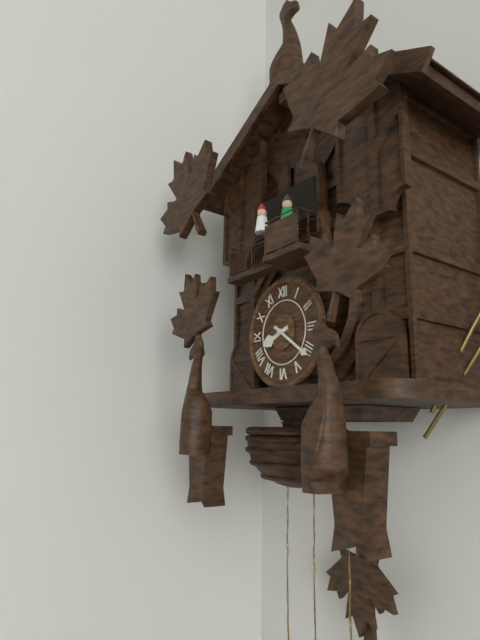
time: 8:21
